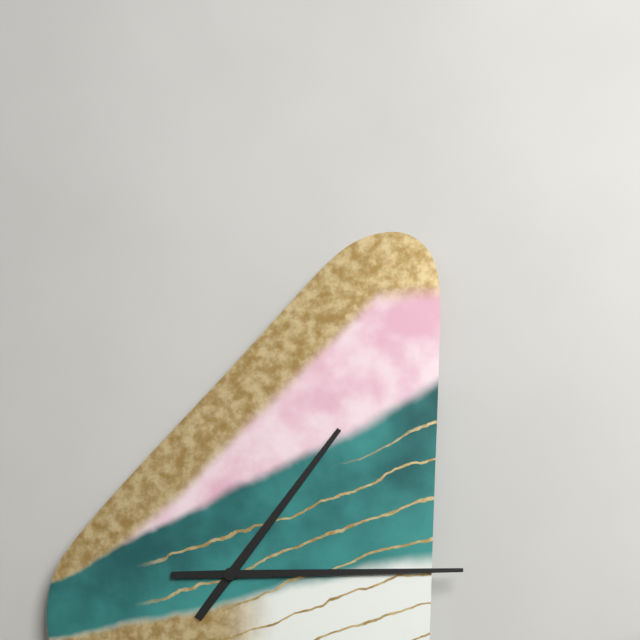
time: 1:15
